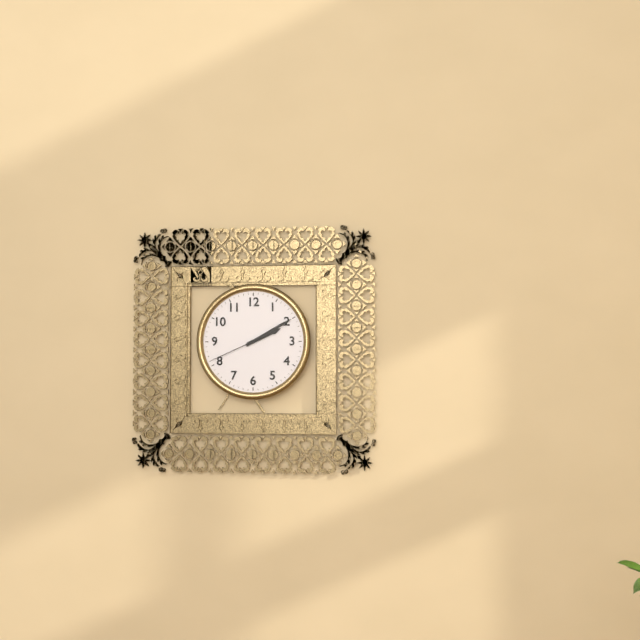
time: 2:10:41
